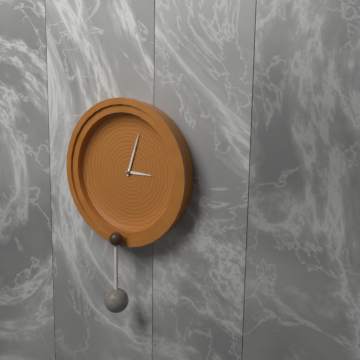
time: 3:03
